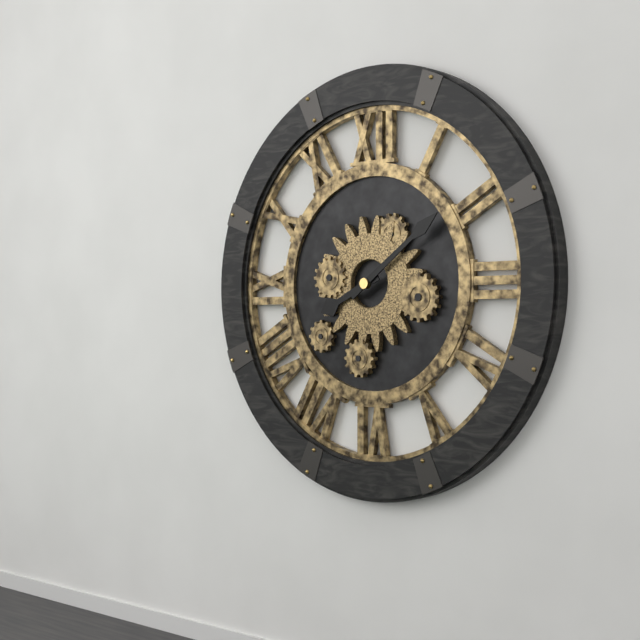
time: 8:09
